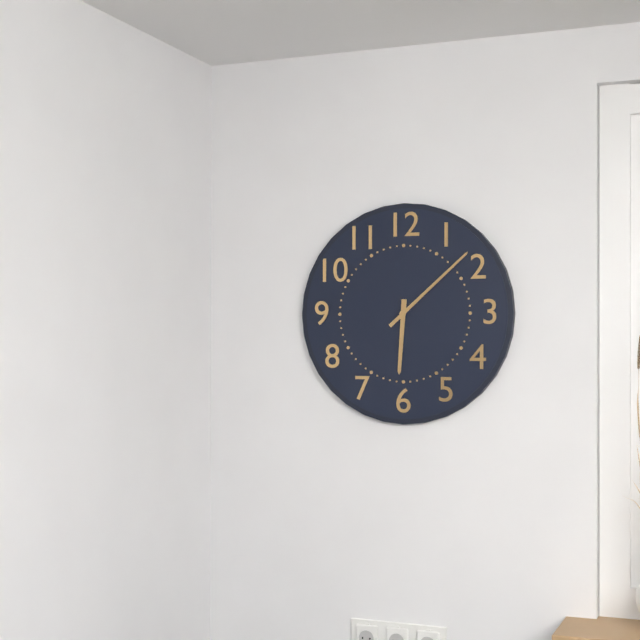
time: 6:08
